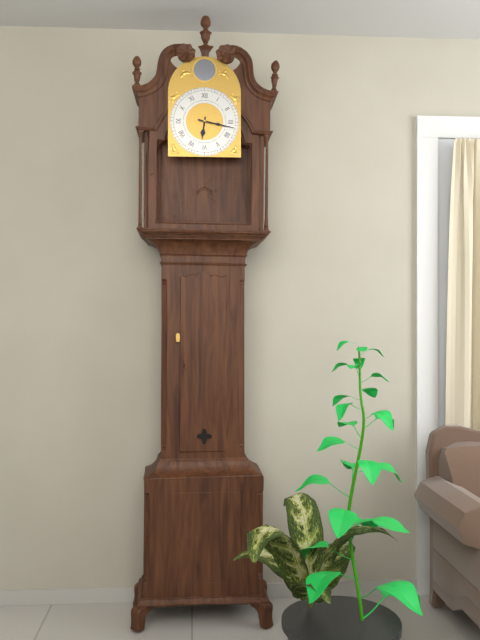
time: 6:17
